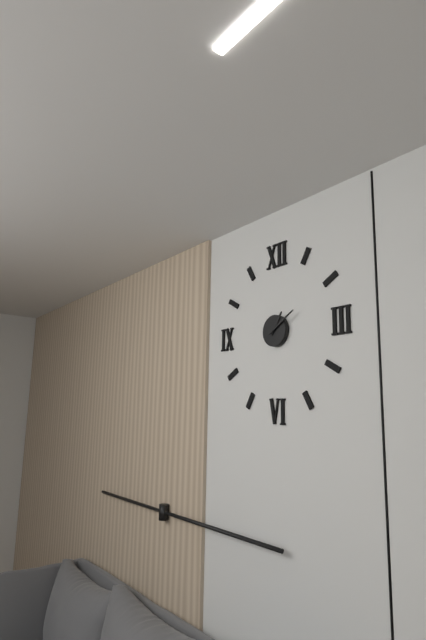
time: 1:10
